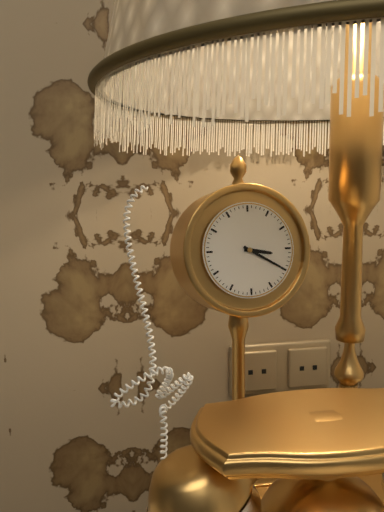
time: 3:20
